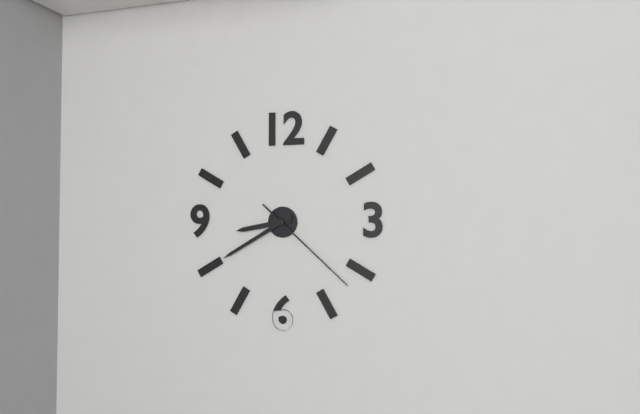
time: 8:40:22
